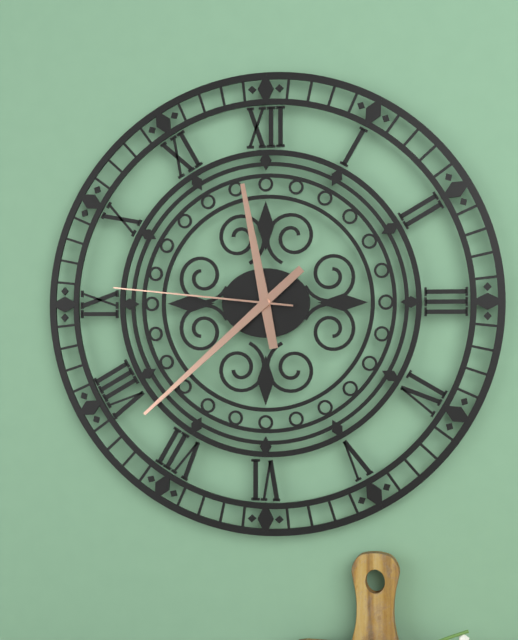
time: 11:38:46
